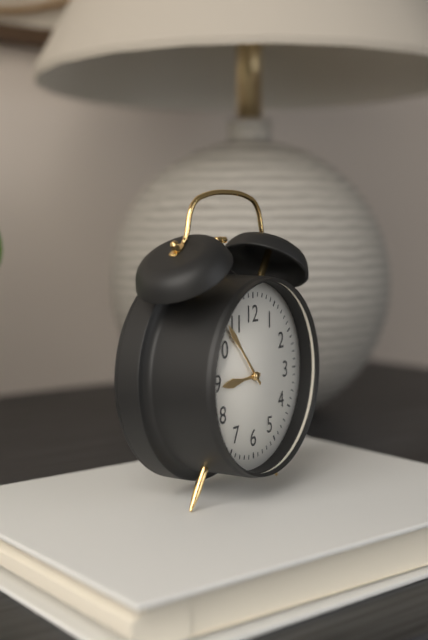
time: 8:53
